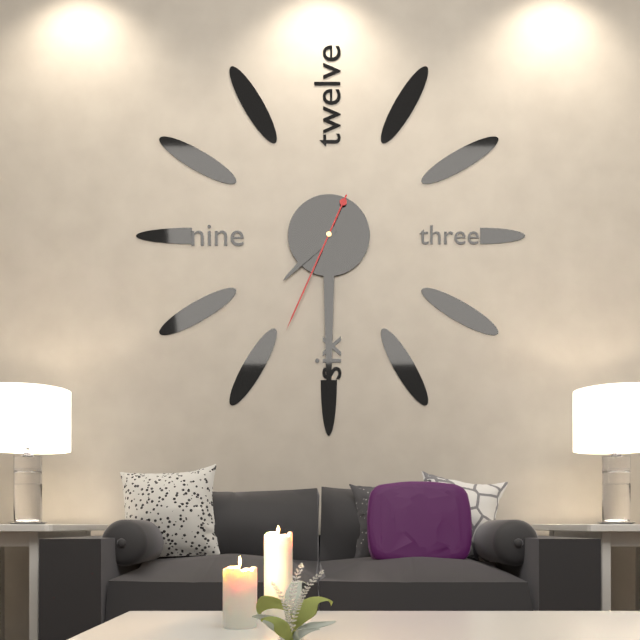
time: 7:30:34
